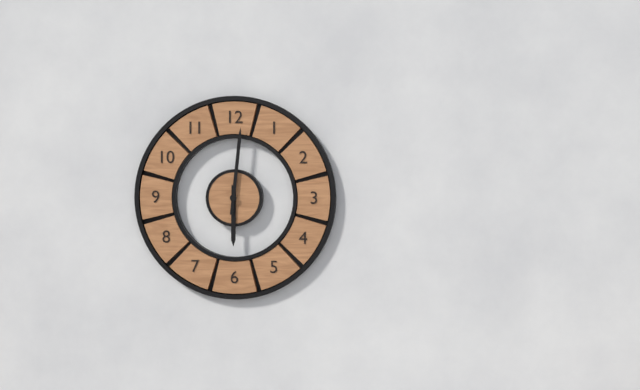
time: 6:01
